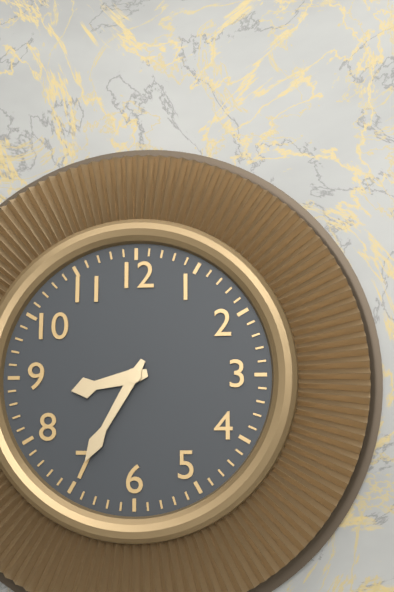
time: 8:35
